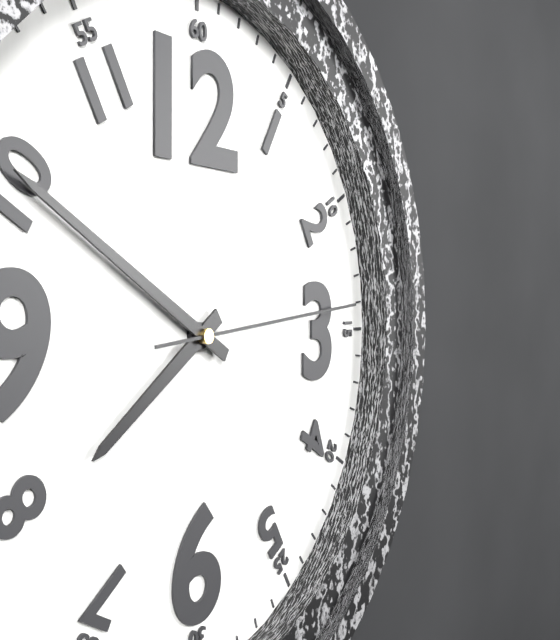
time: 7:50:14
